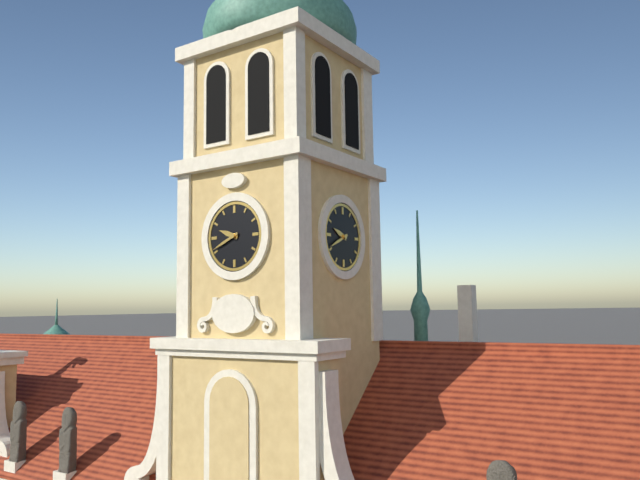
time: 9:41
